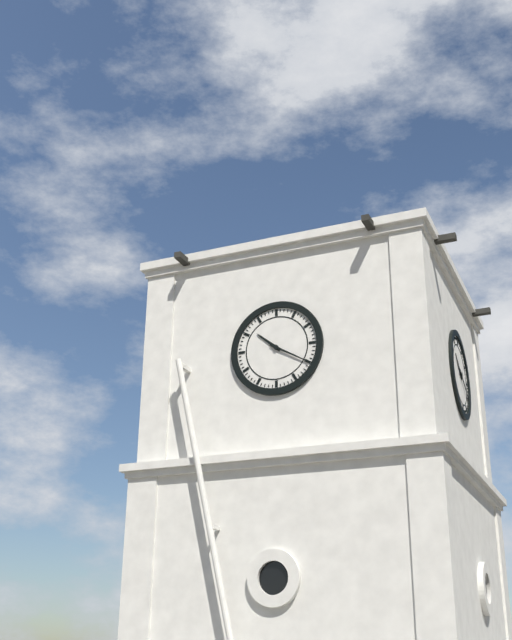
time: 10:20
